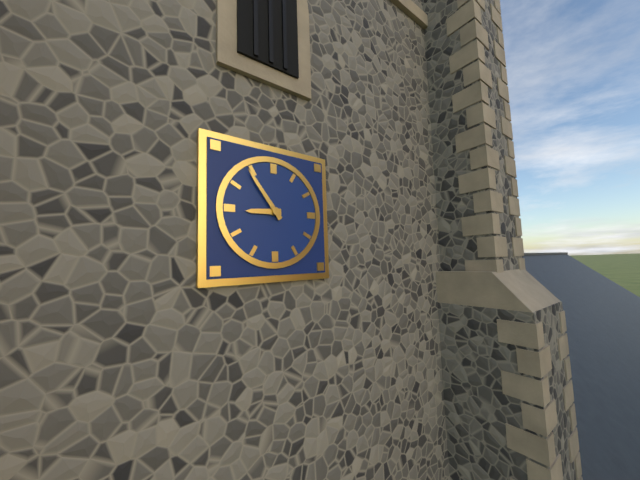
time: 8:54
